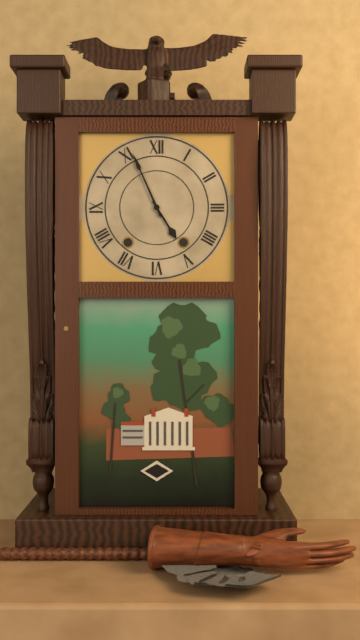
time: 4:56
